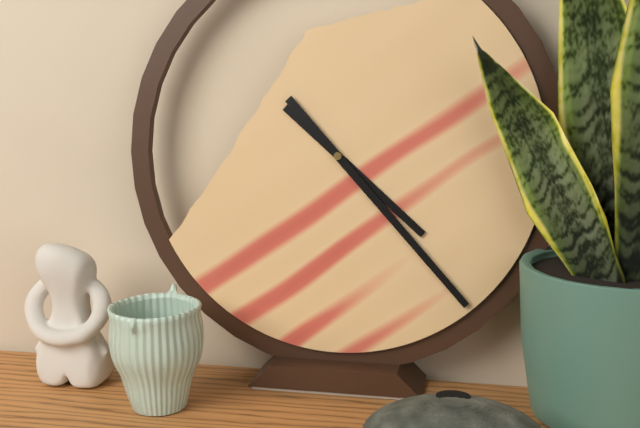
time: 4:23
